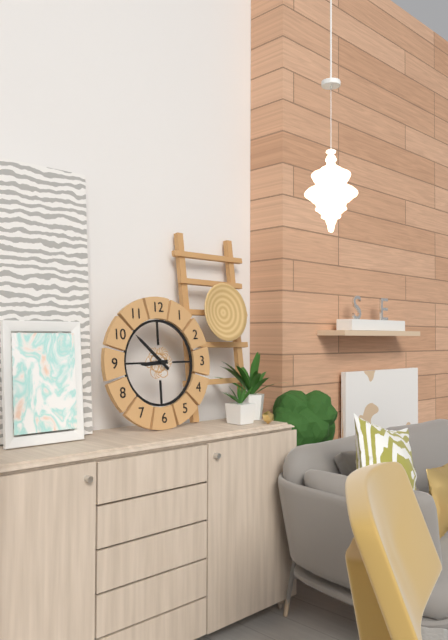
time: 8:52
